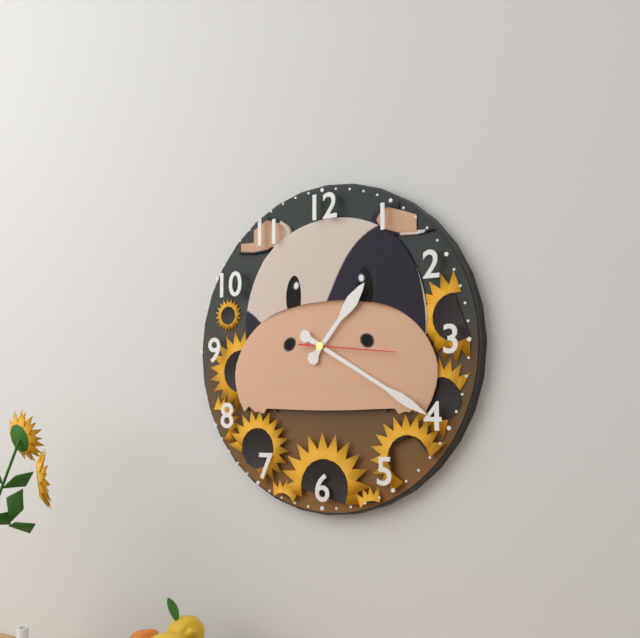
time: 1:20:16
